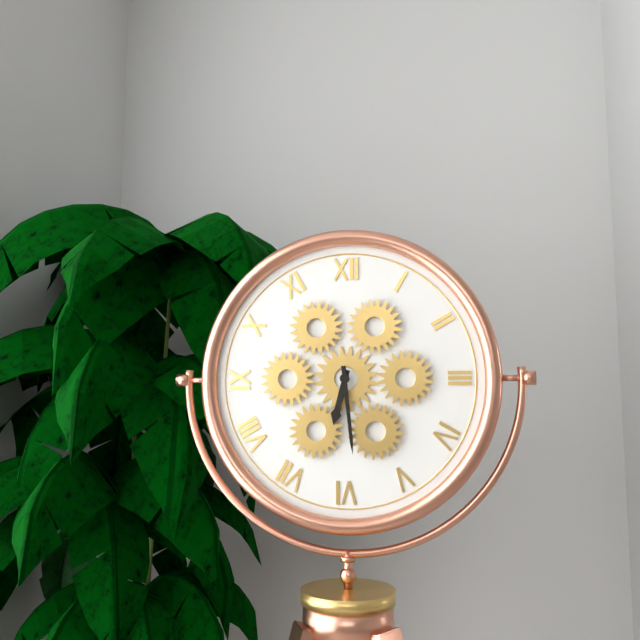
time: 6:29
